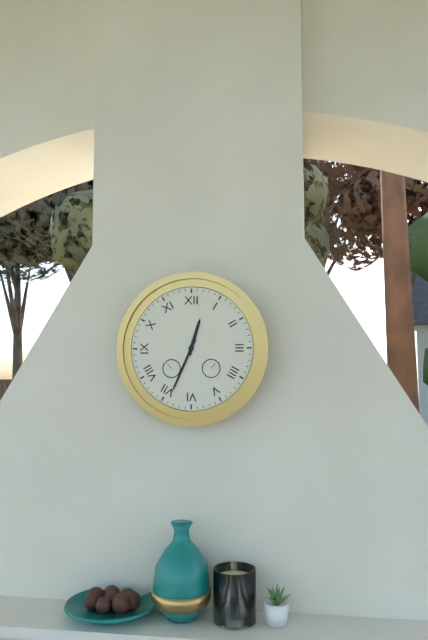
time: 12:34
